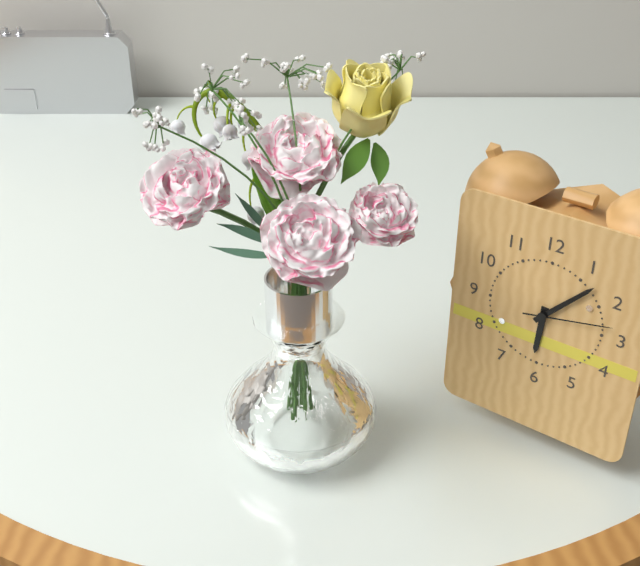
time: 6:07:13
